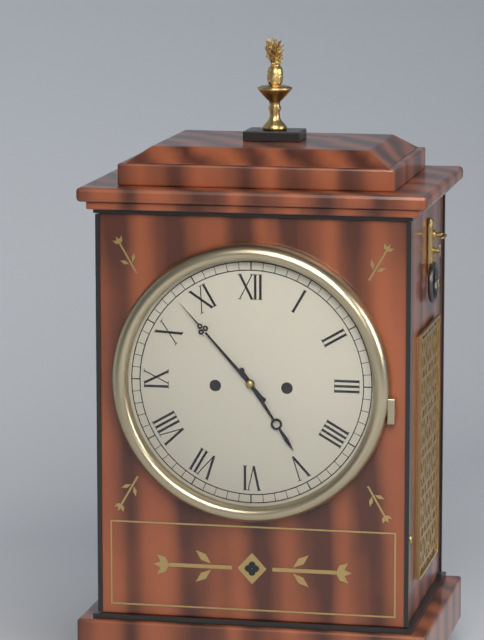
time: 4:53
